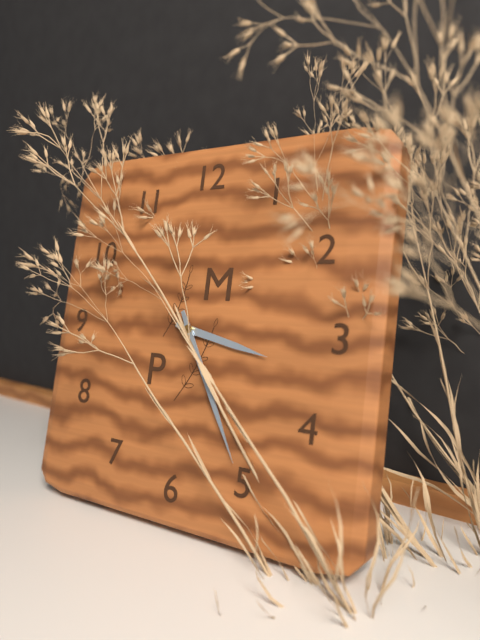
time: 3:25
